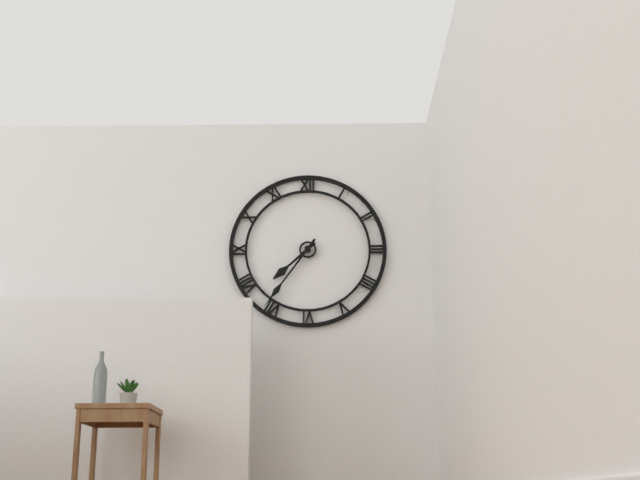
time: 7:36
